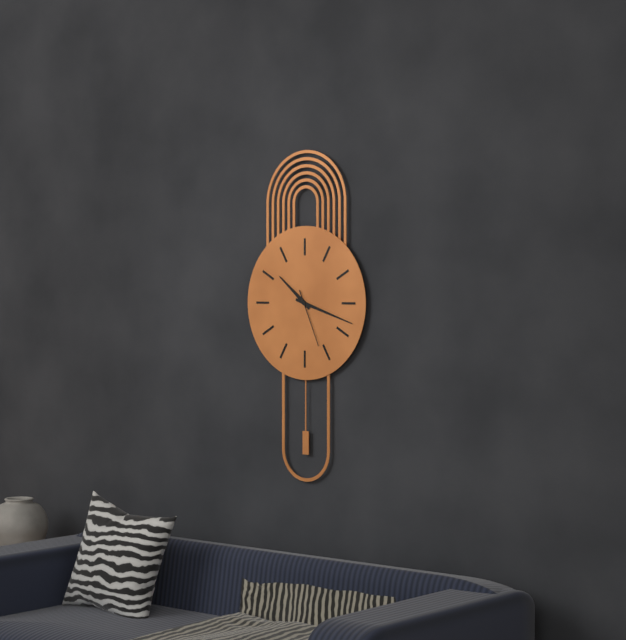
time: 10:18:26
